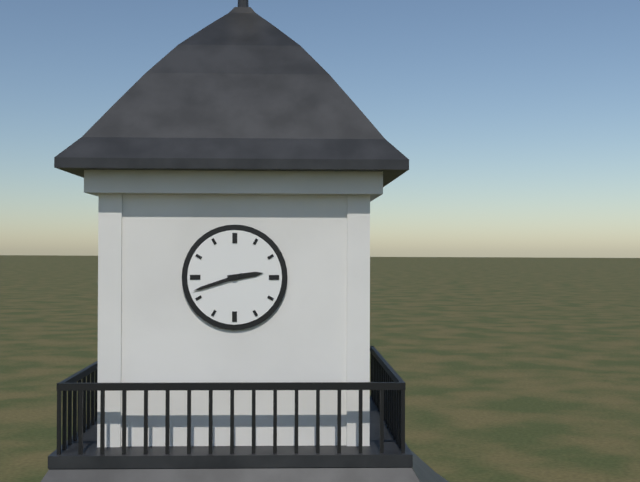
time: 2:42
